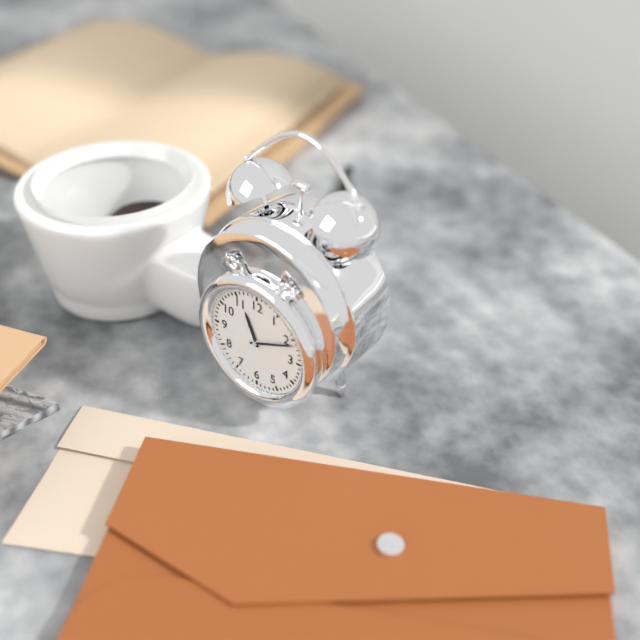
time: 11:11
